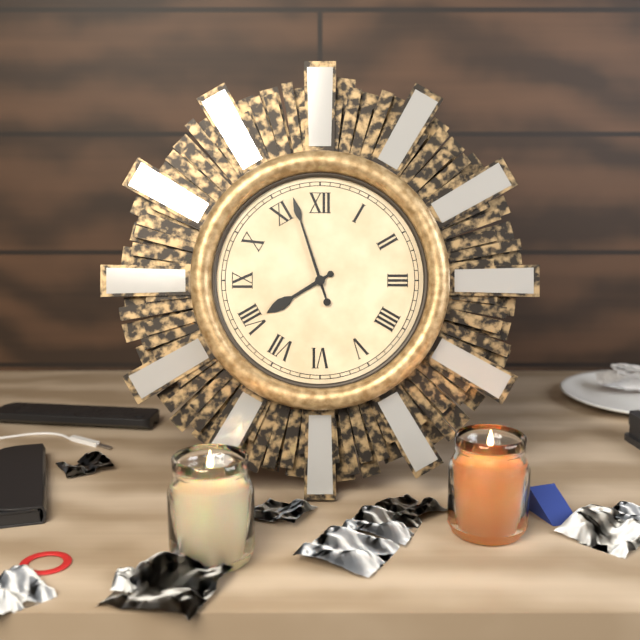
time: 7:57
